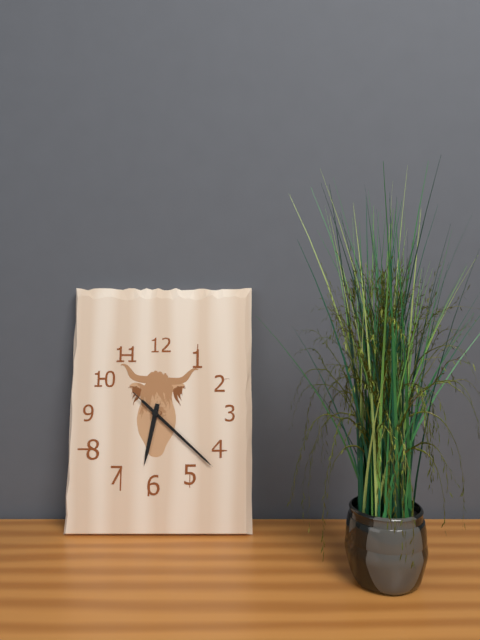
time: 6:22:22
